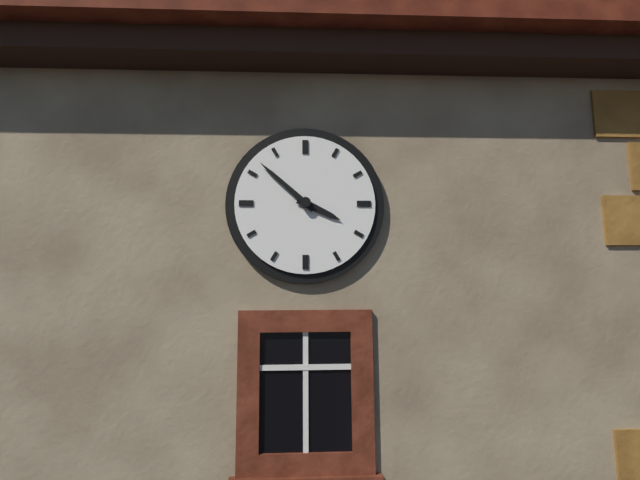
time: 3:52
